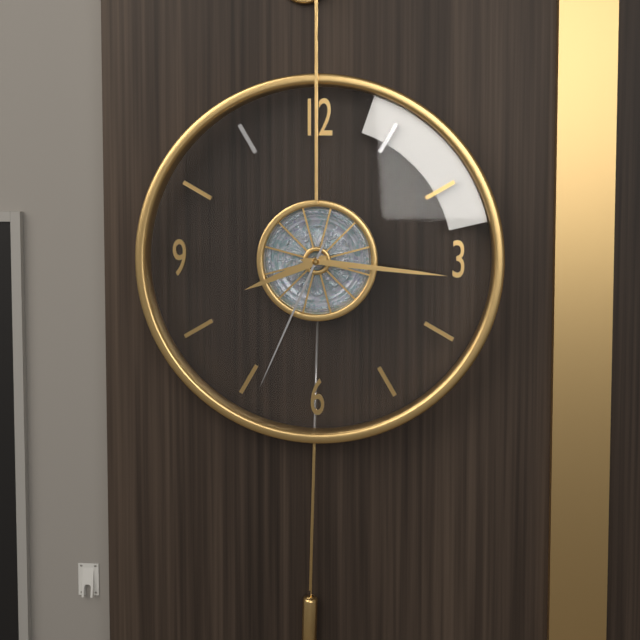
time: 8:16:34
